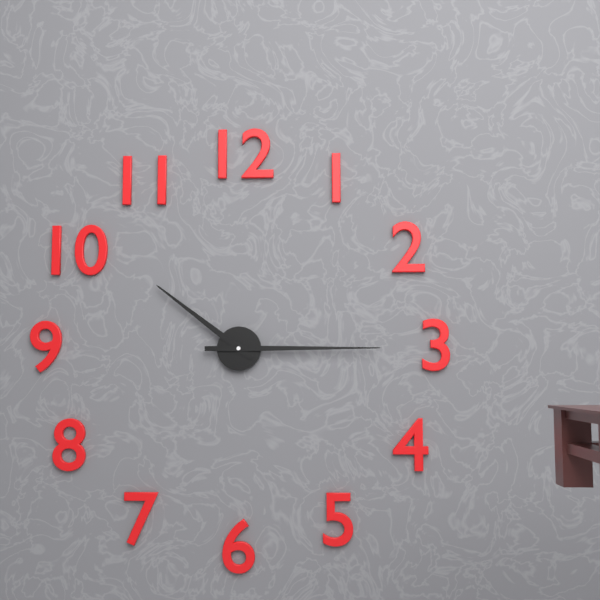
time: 10:15
